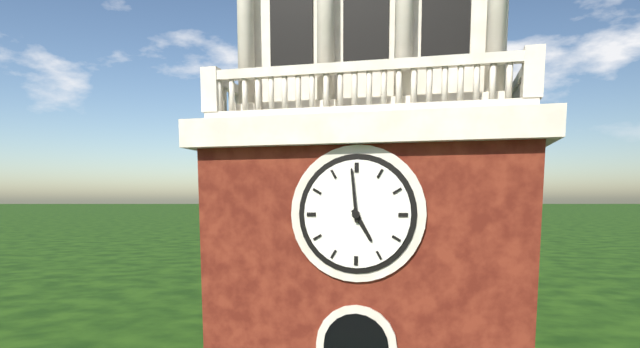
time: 4:59
